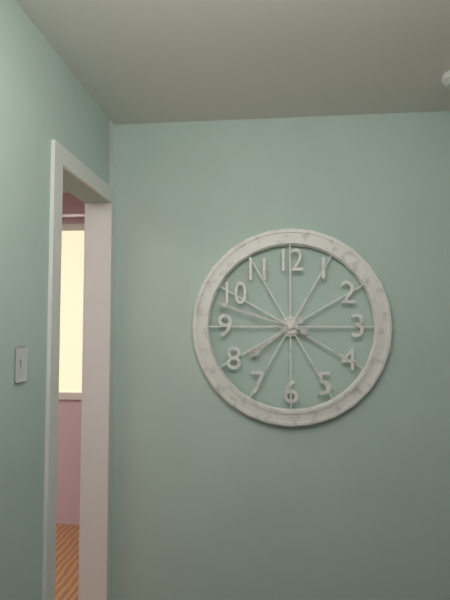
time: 7:48
